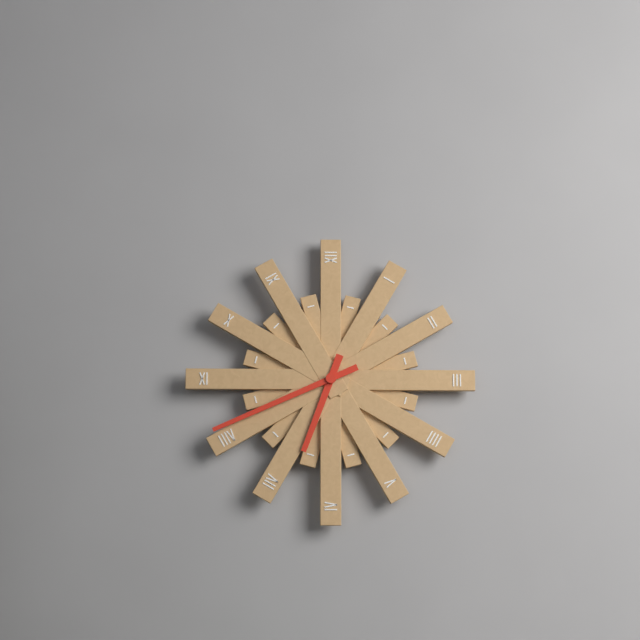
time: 6:41
